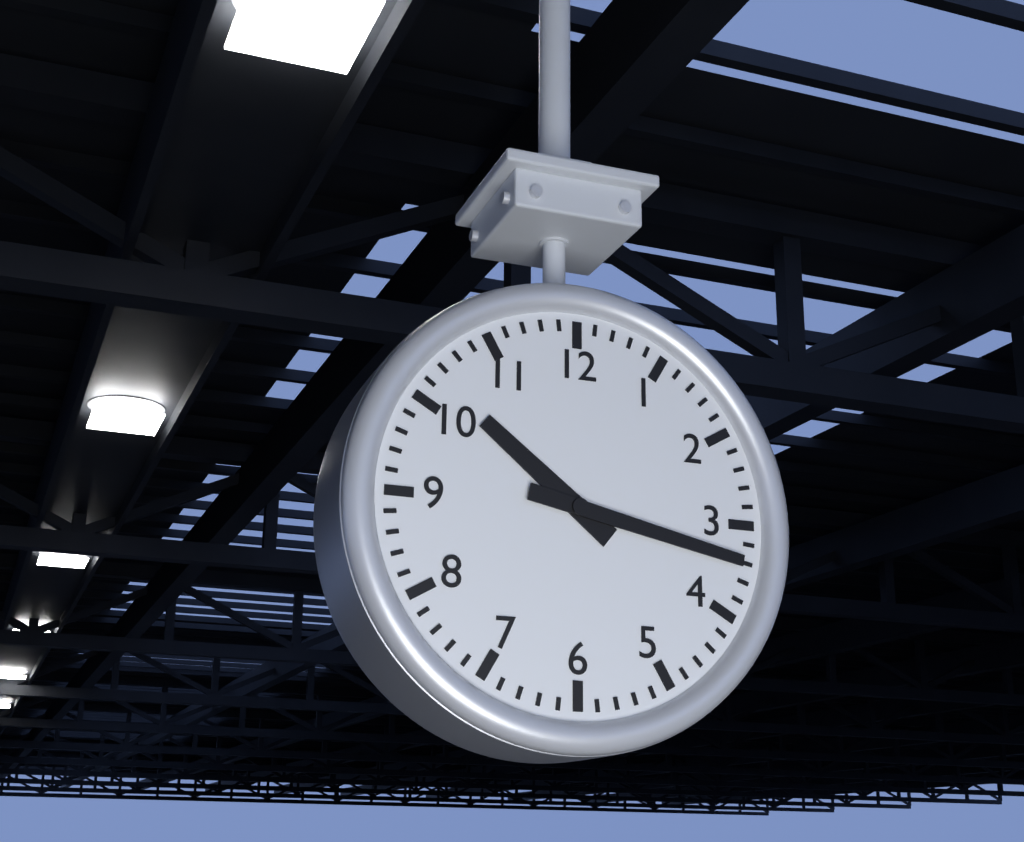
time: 10:17
